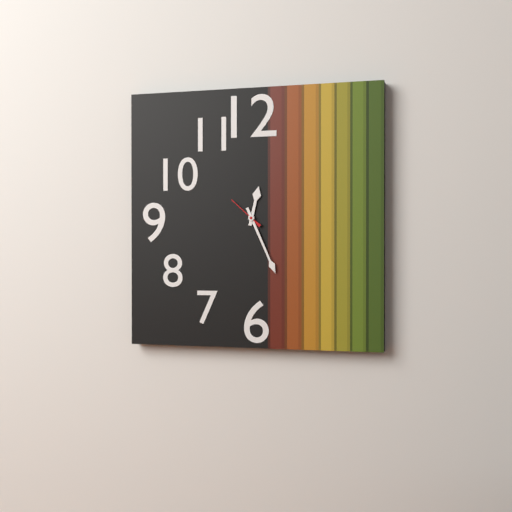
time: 12:26
